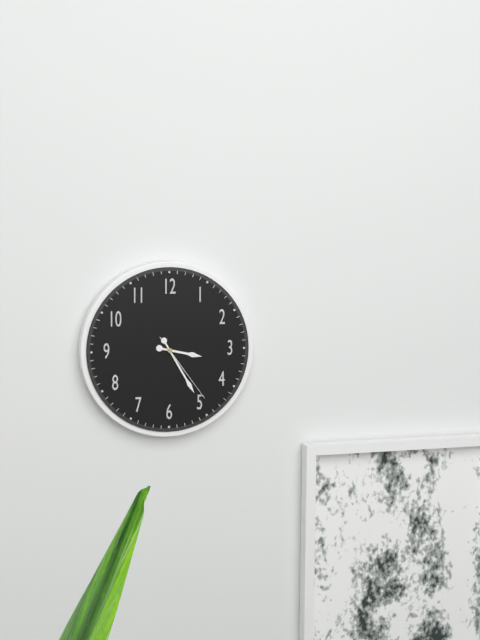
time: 3:25:24
